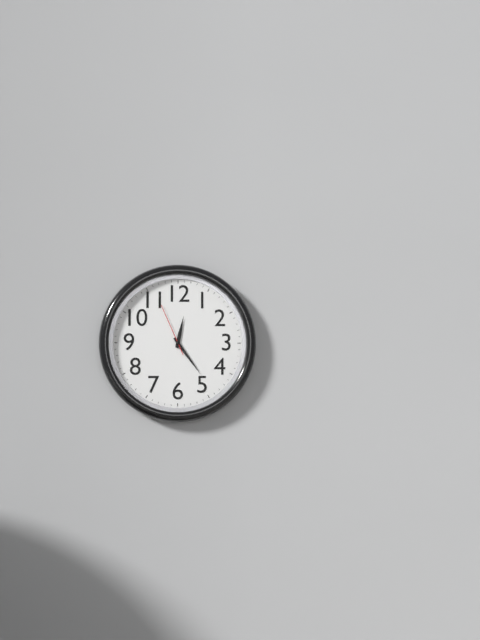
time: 12:24:56
